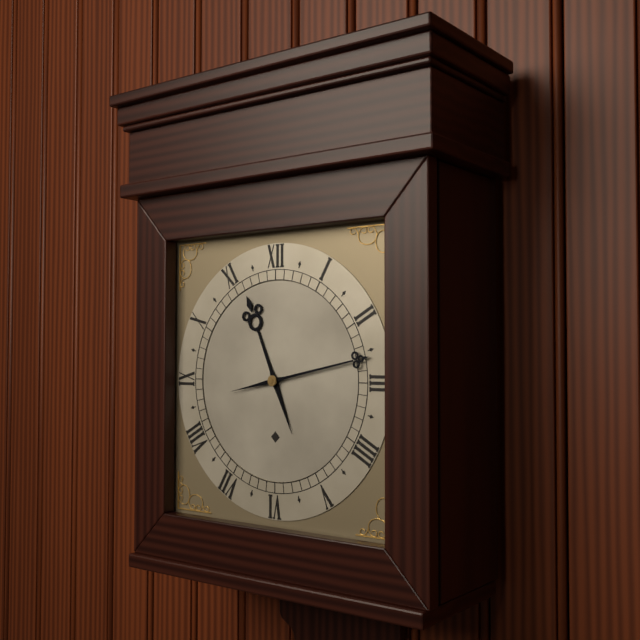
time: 11:13
